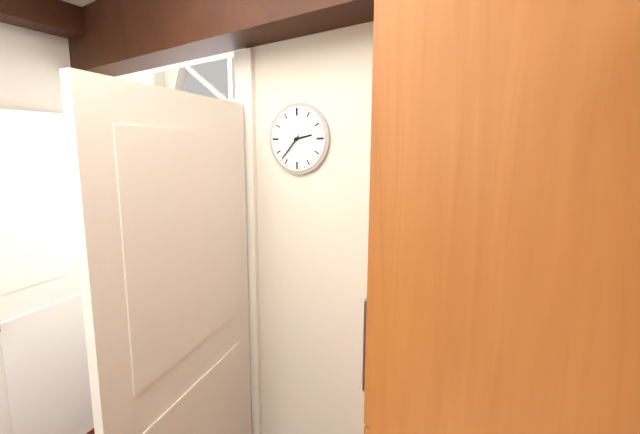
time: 2:37
